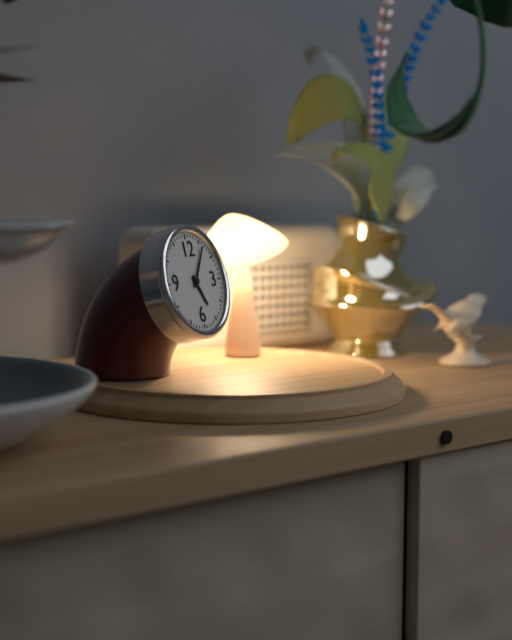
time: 5:06
